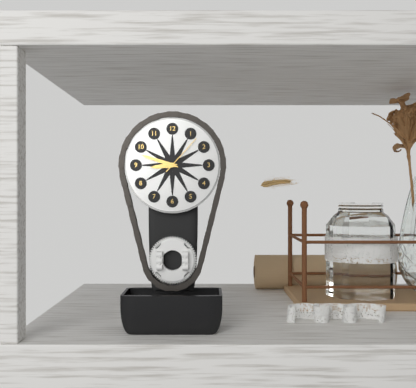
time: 8:48
